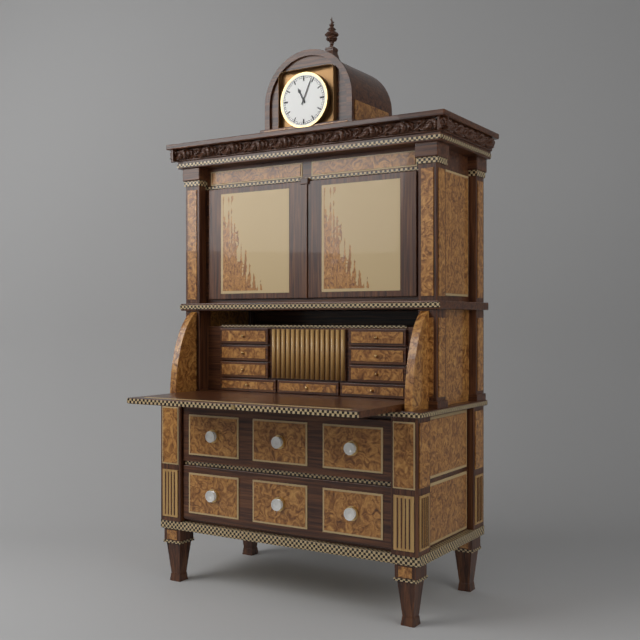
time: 11:04
